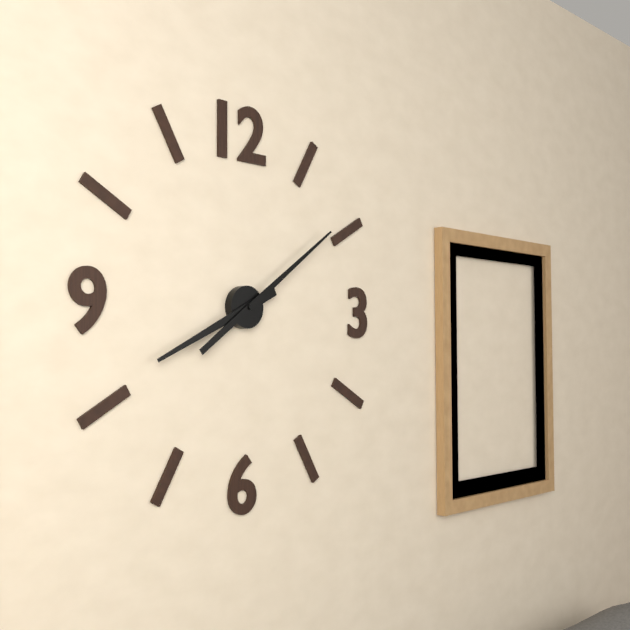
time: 8:09
